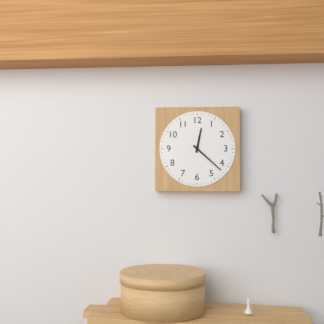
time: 12:22
